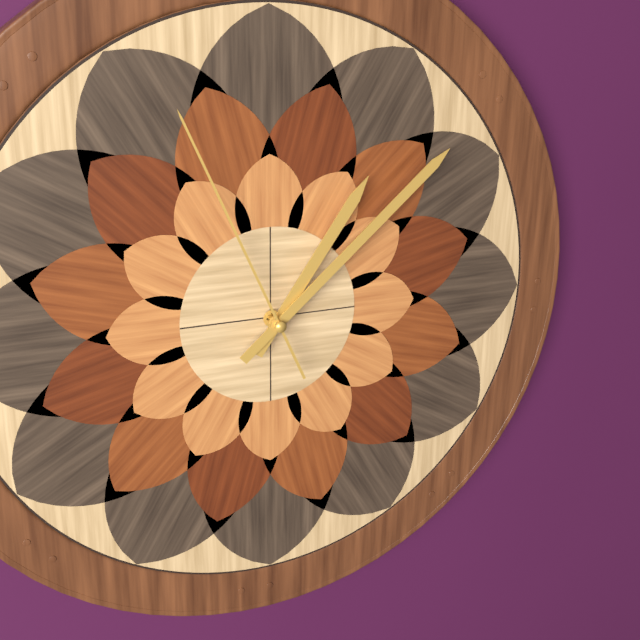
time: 1:08:56
